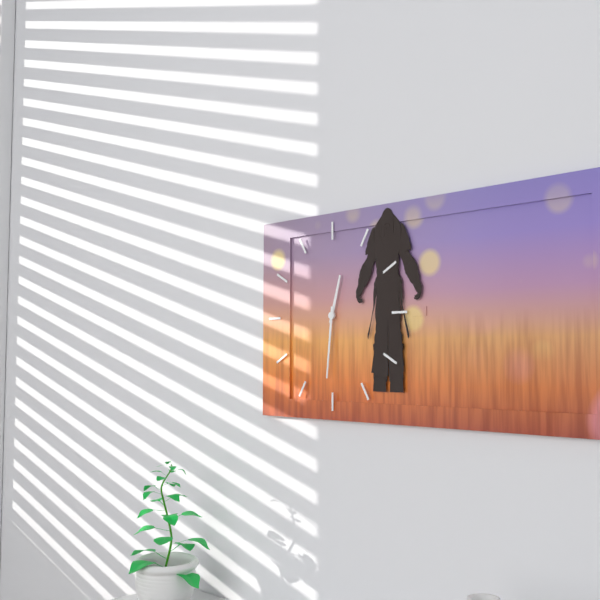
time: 12:31
